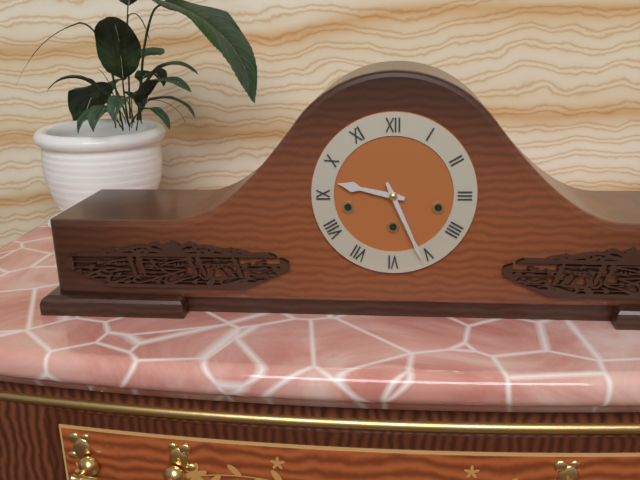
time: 9:26
